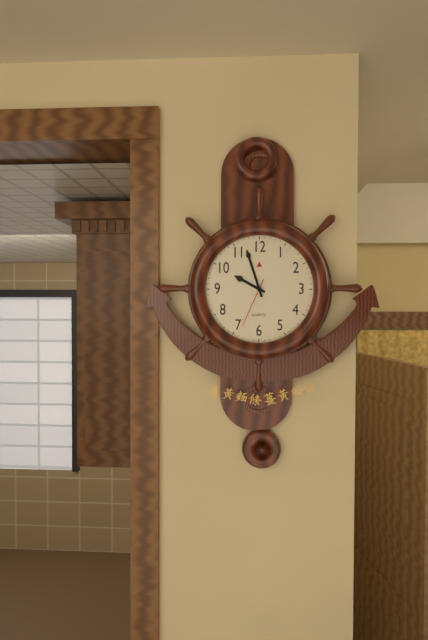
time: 9:57:34
